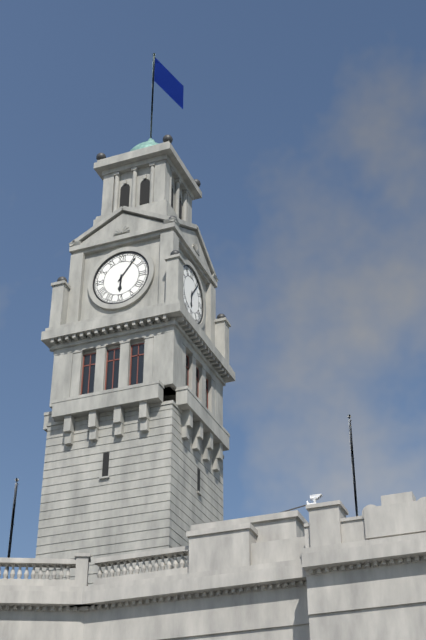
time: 6:06
